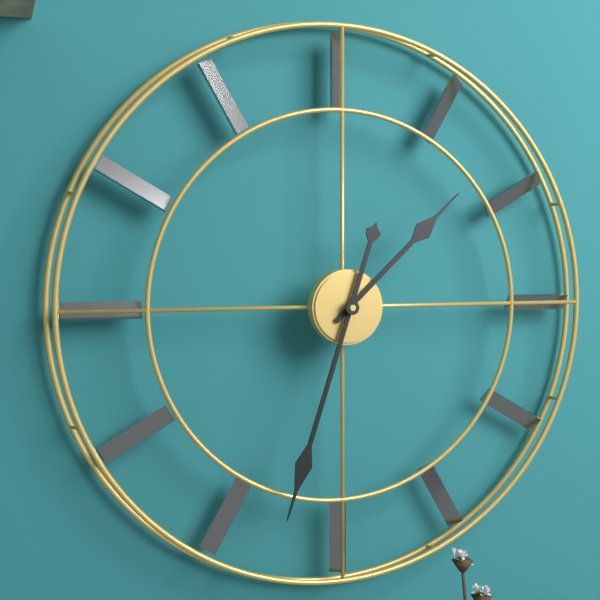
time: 1:33
